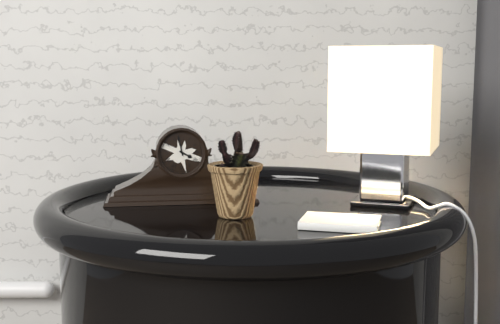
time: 3:58
